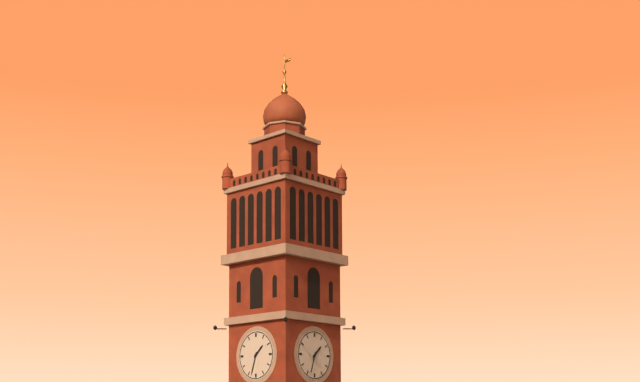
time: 1:33
